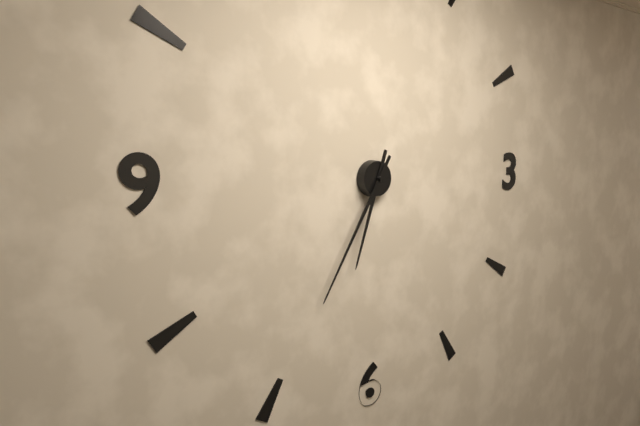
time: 6:35
